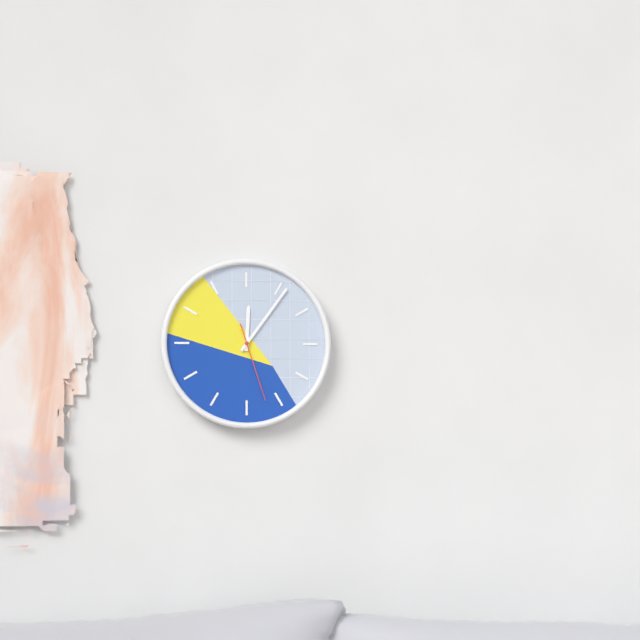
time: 12:06:27
